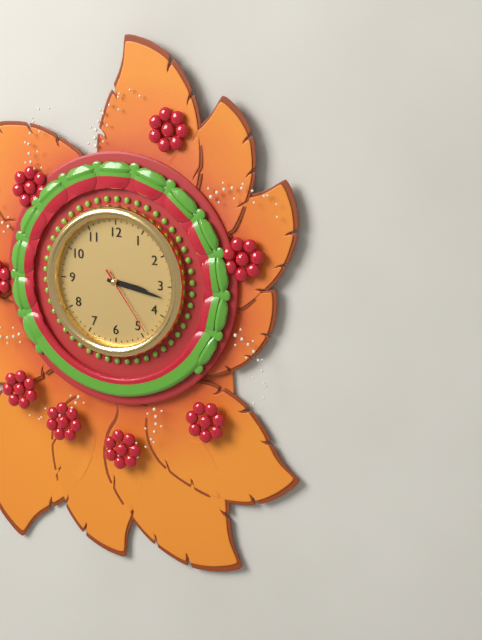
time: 3:17:24
